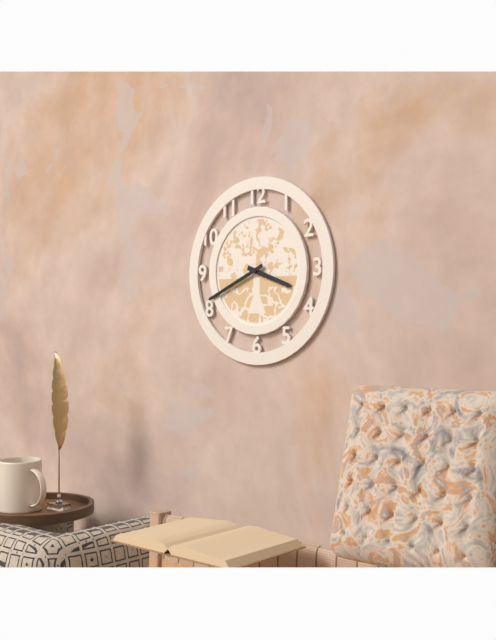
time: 3:41
